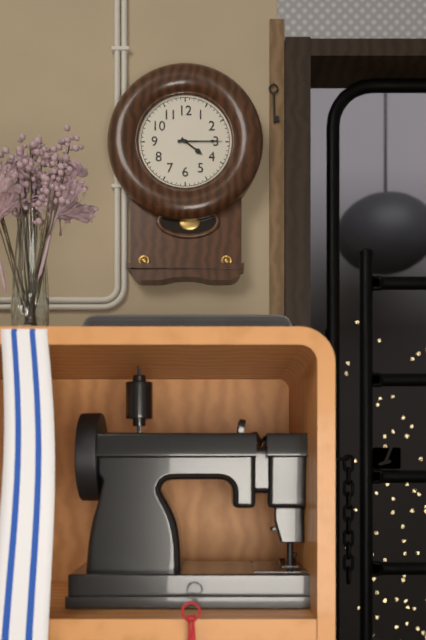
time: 4:15
